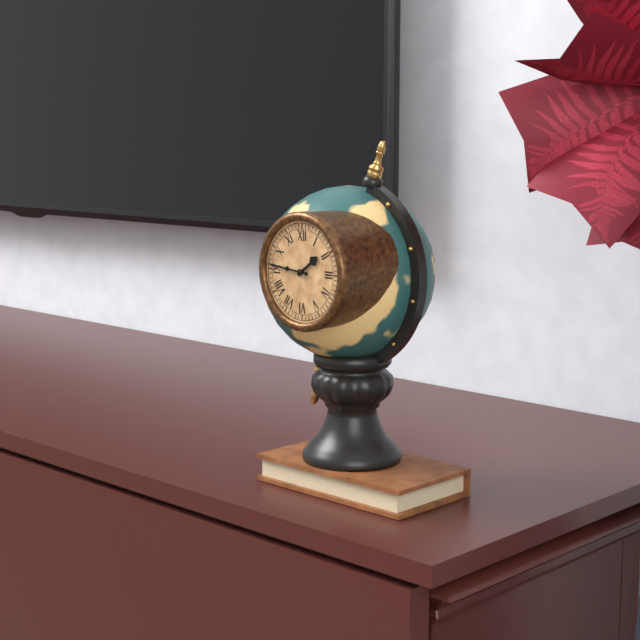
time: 1:46
